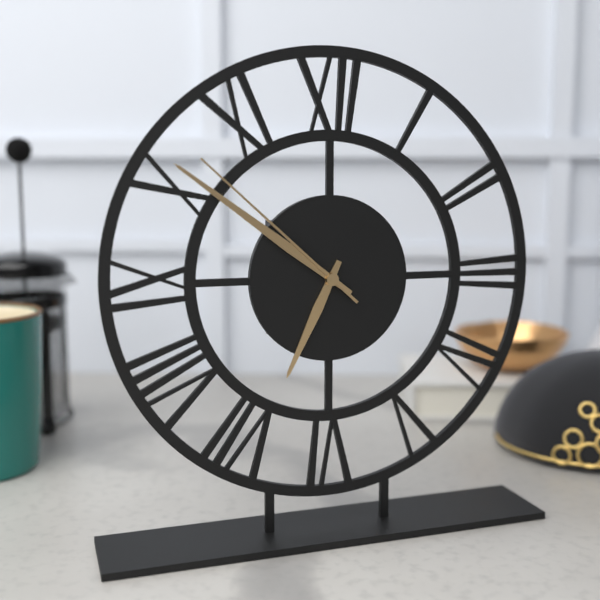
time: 6:51:52
